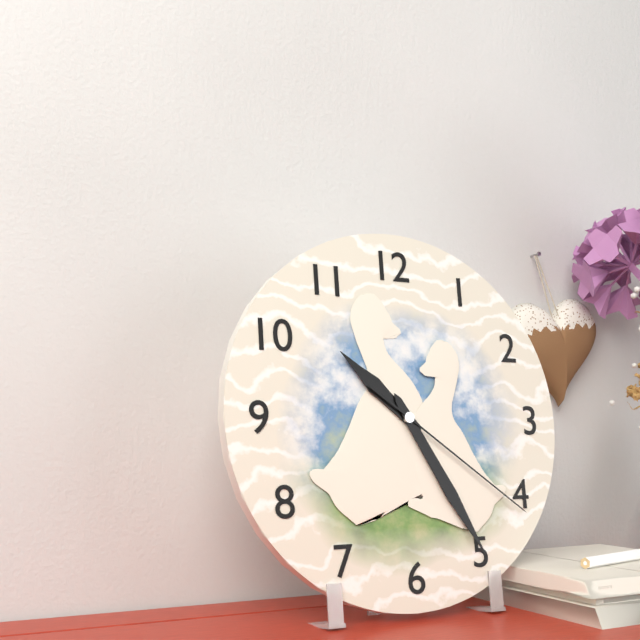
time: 10:25:21
